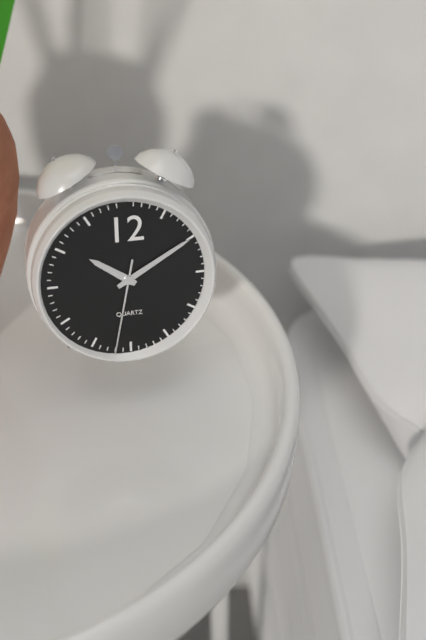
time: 10:10:32
